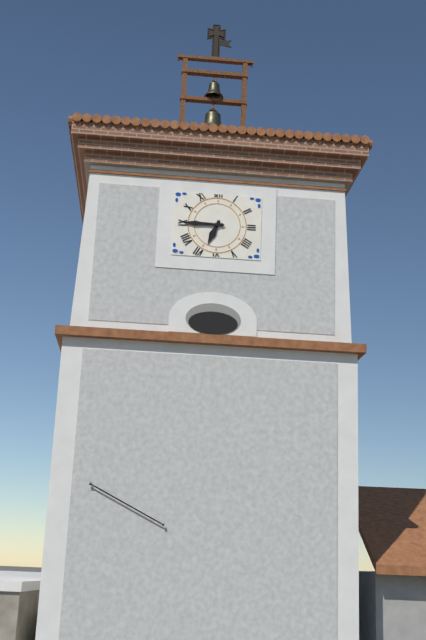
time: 6:45
